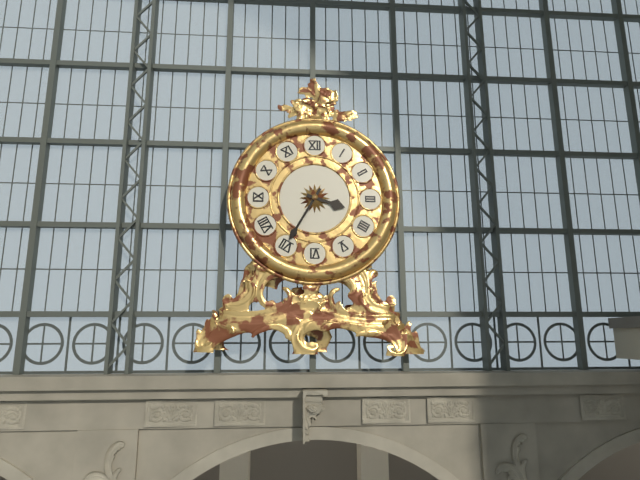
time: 3:35
